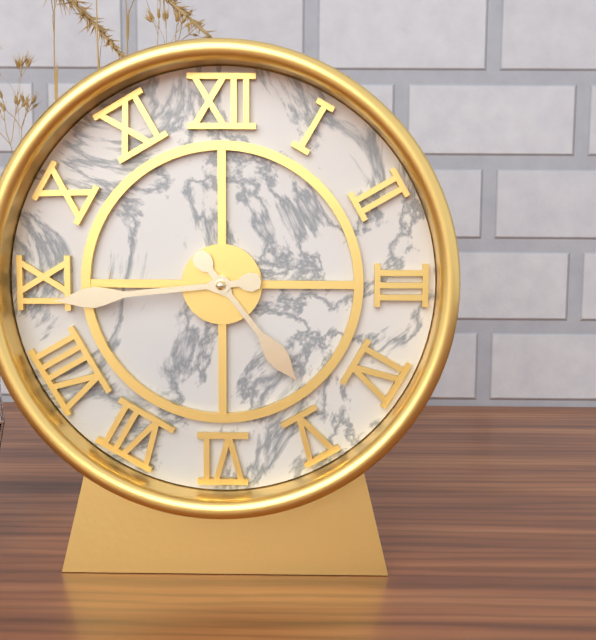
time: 4:44
